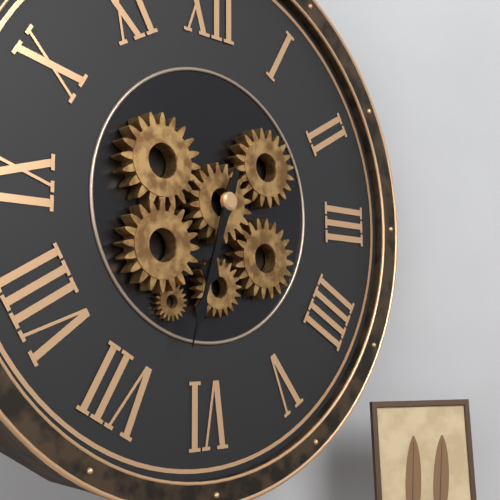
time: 6:33
